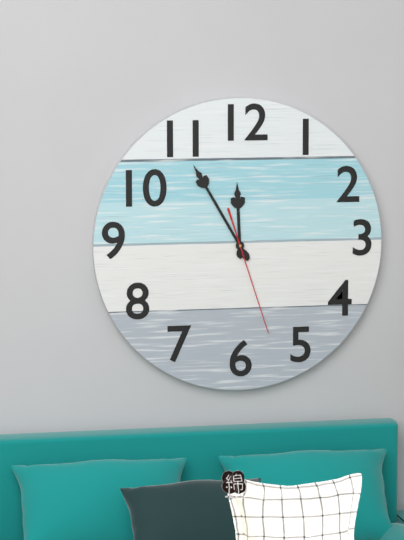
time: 11:55:27
